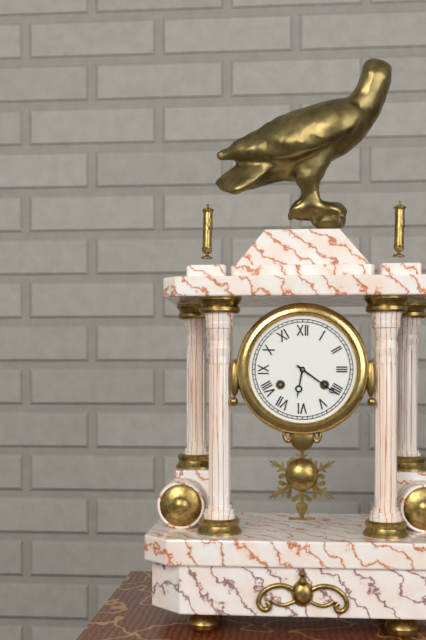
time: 6:21
